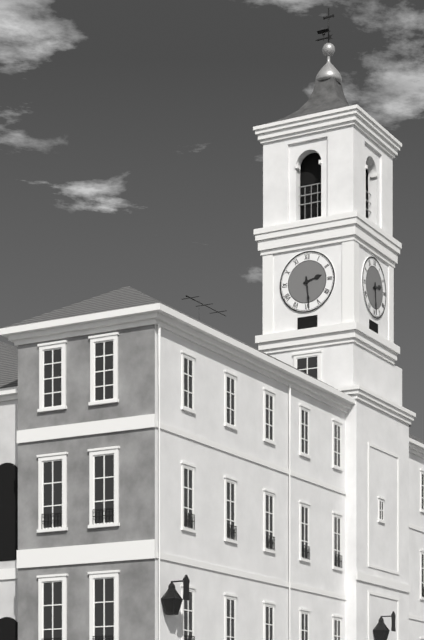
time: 2:29
